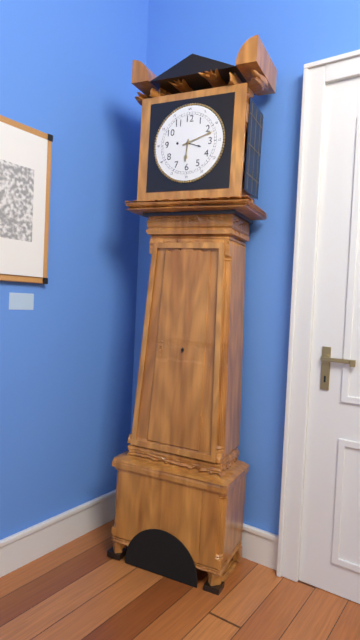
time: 6:12
